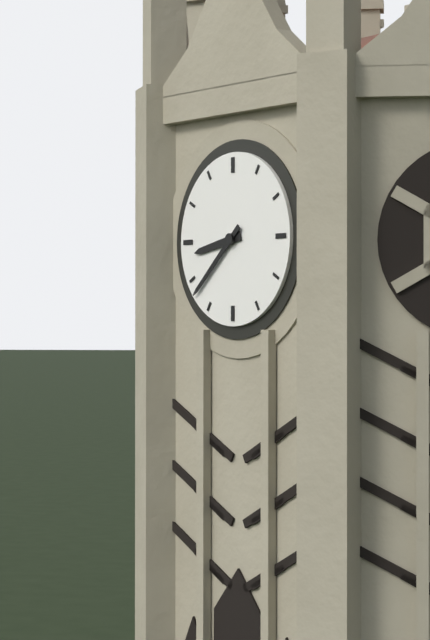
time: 8:38
